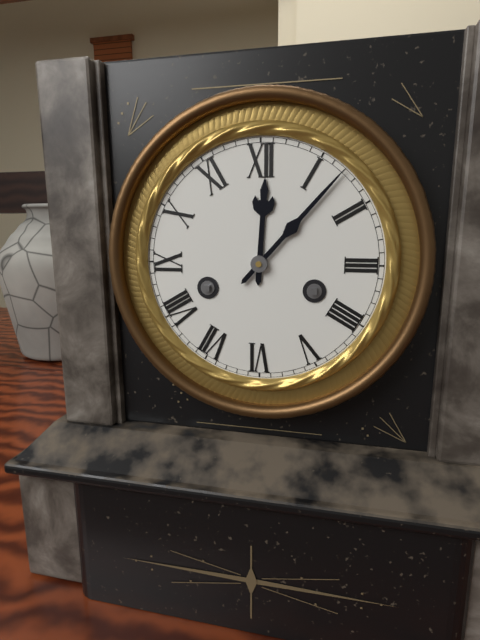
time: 12:07
